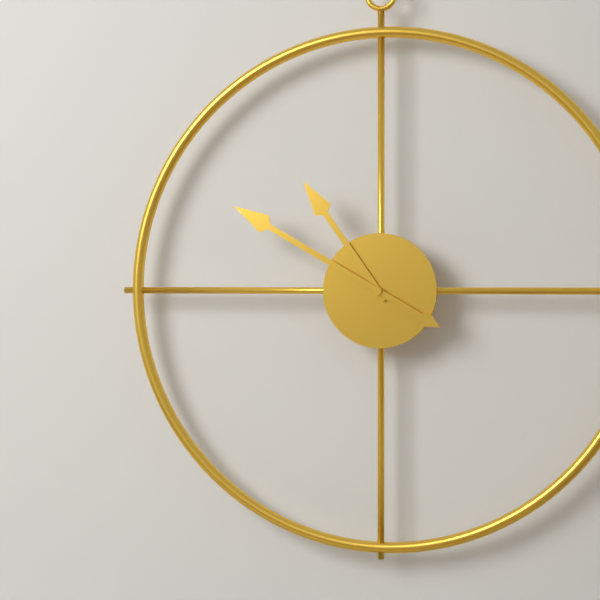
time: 10:50
